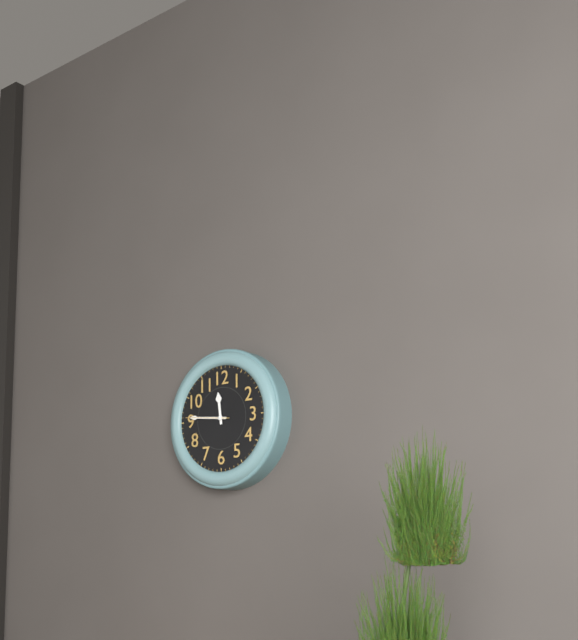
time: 11:46
